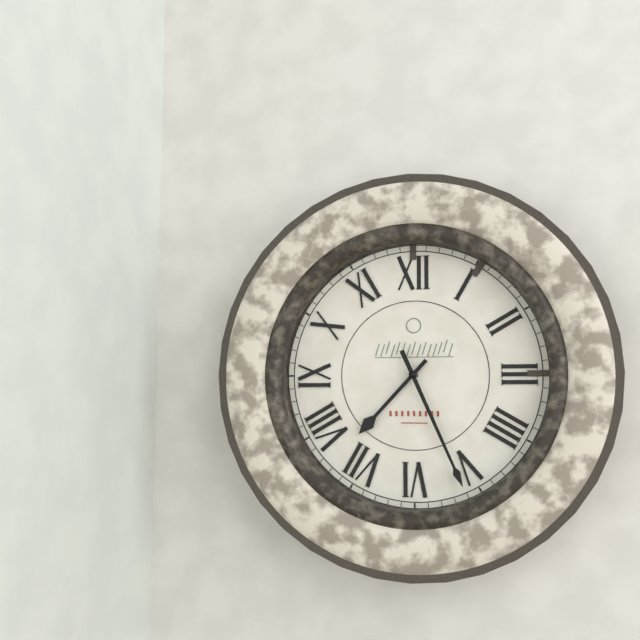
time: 7:26
